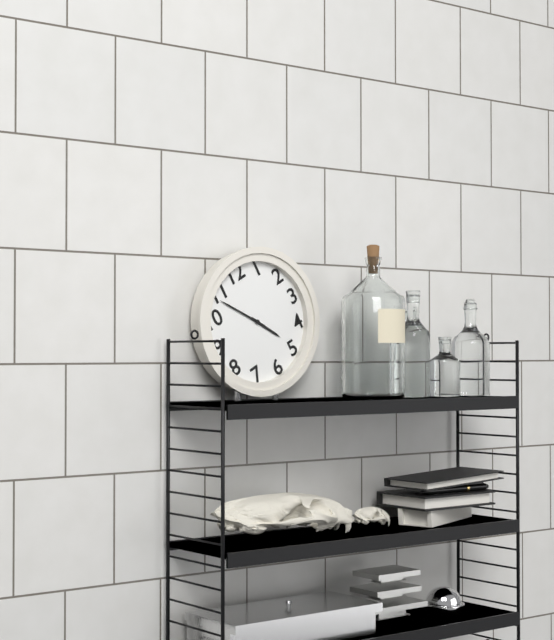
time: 4:54
